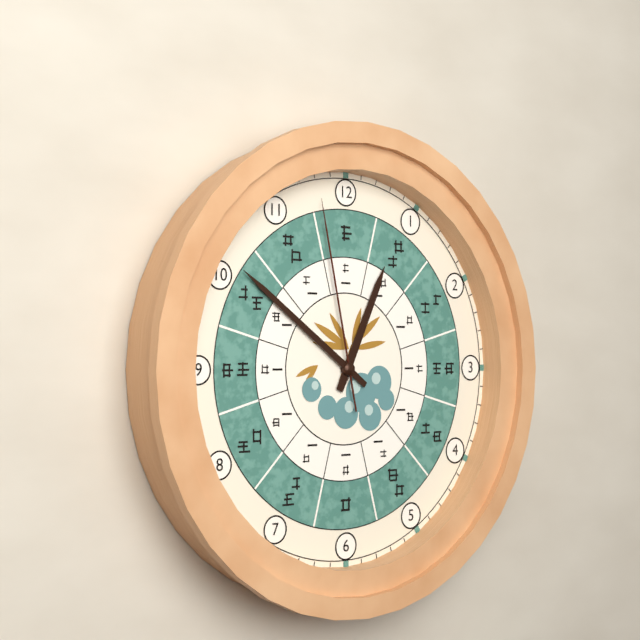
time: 12:51:58
